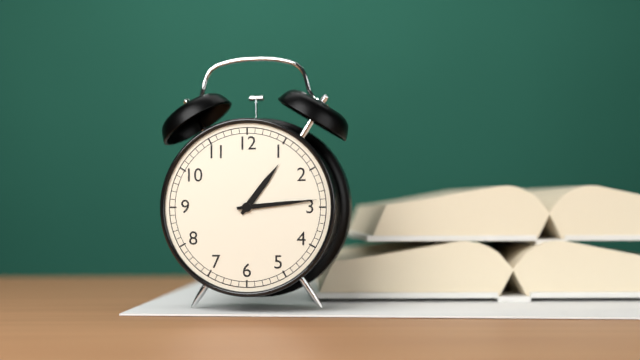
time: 1:14
